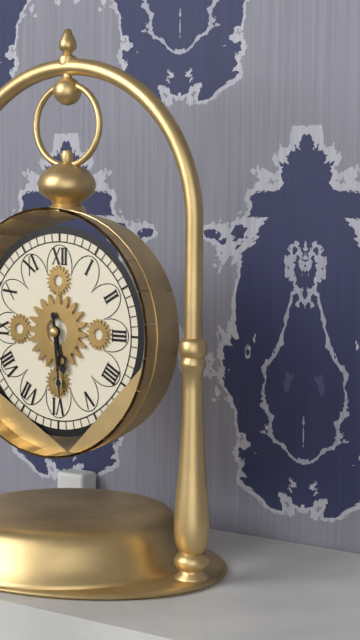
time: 5:29
